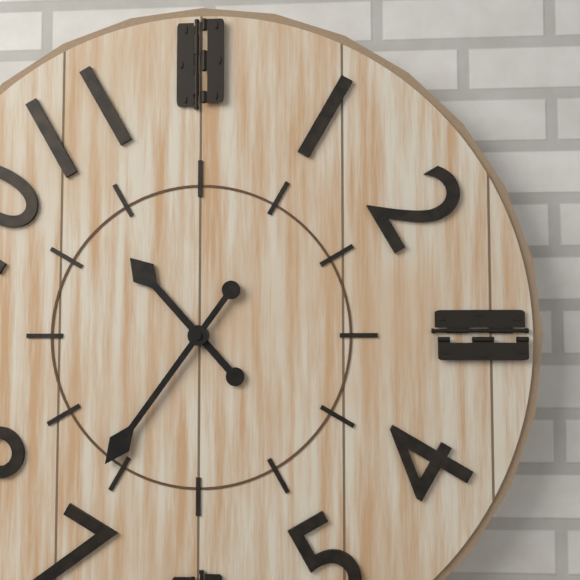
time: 10:36
